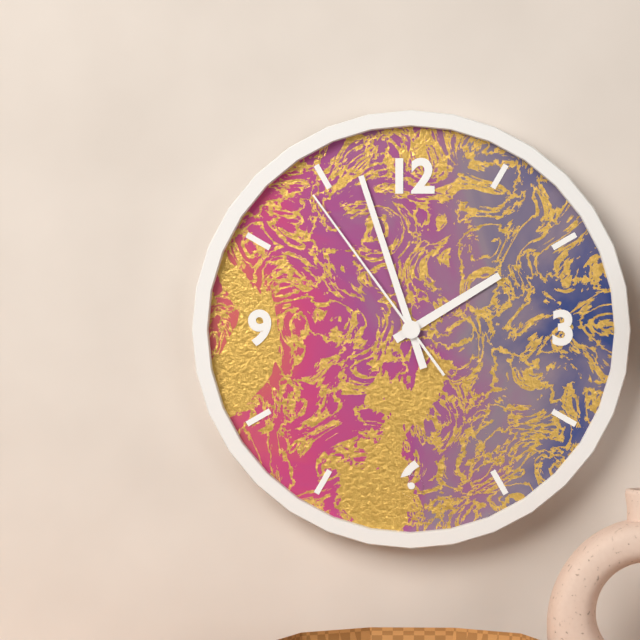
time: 1:57:54
